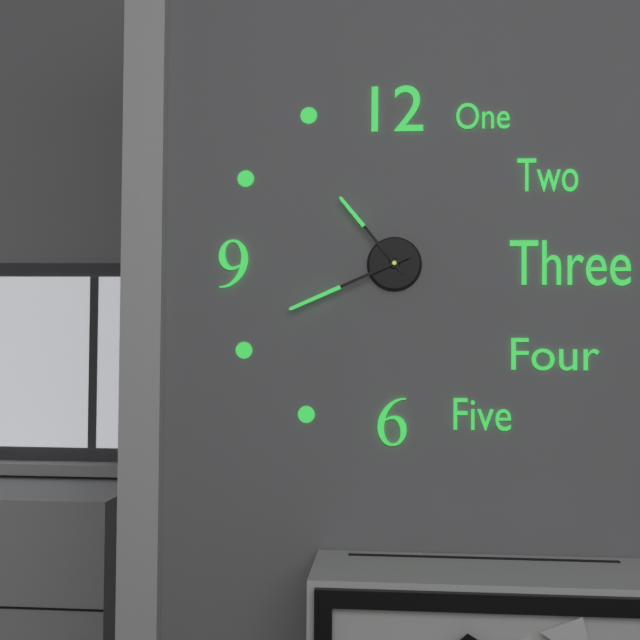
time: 10:41
